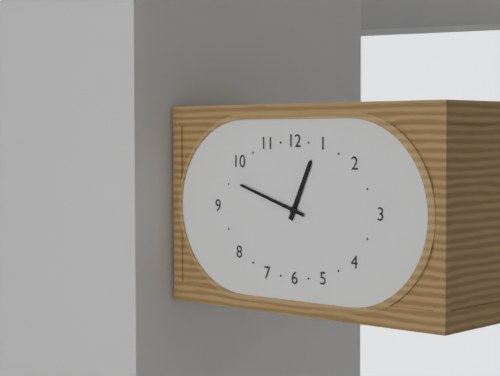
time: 12:48
